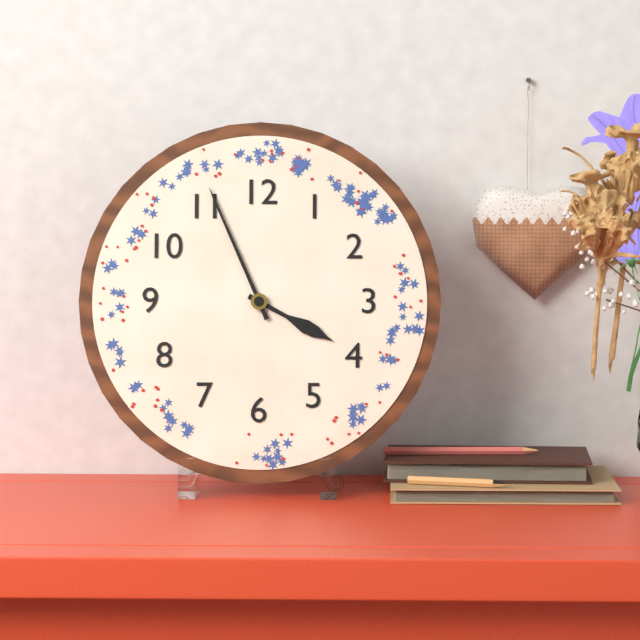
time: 3:56
